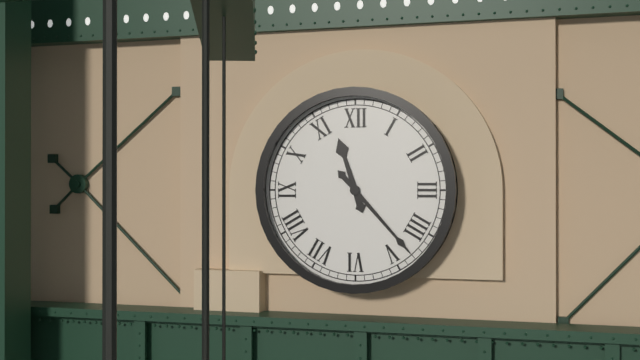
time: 11:23
